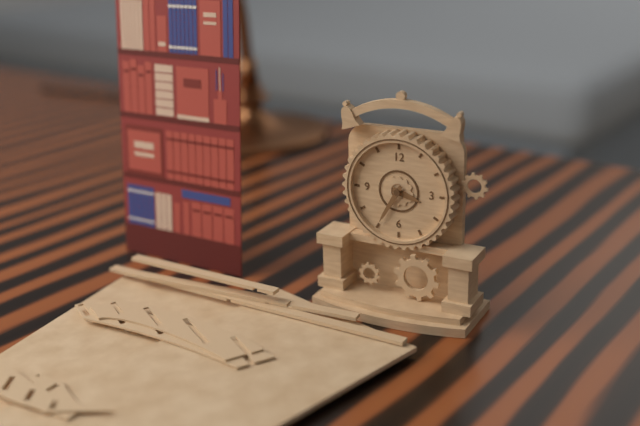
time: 3:35
